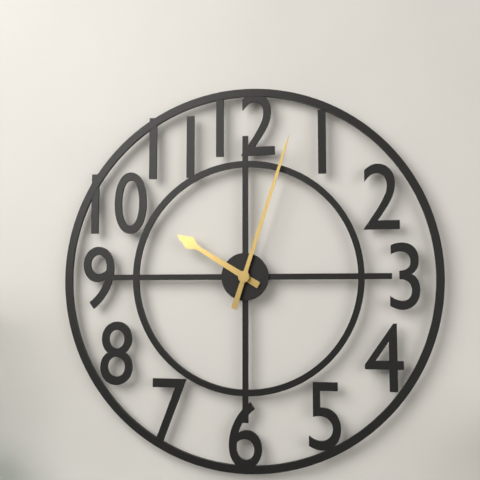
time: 10:03
